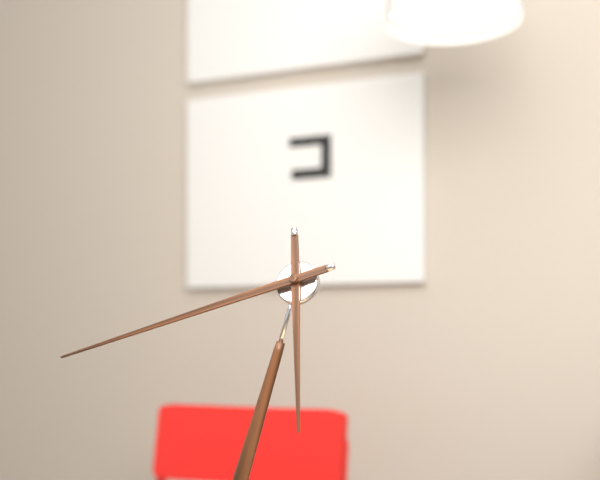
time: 5:42
